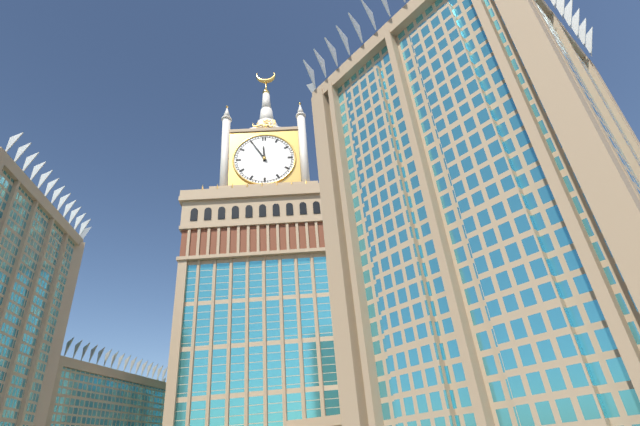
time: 11:55
